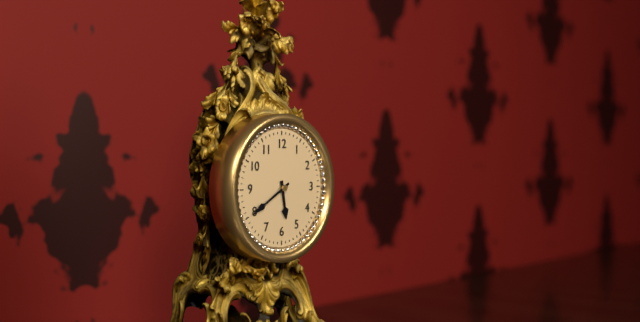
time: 5:40
